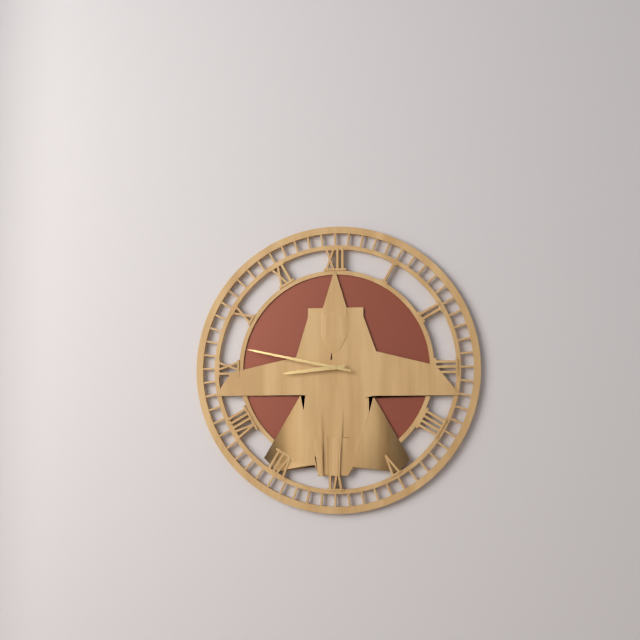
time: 8:47
